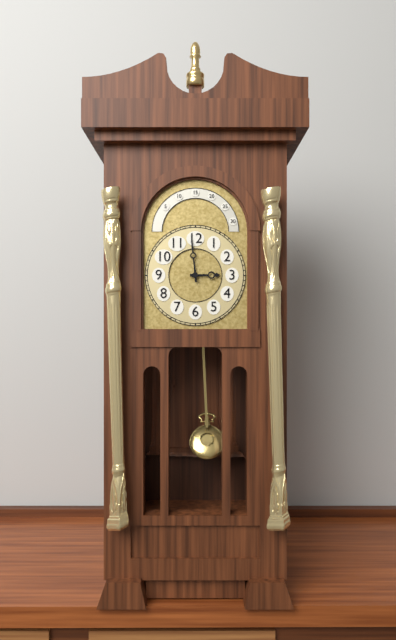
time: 2:59
